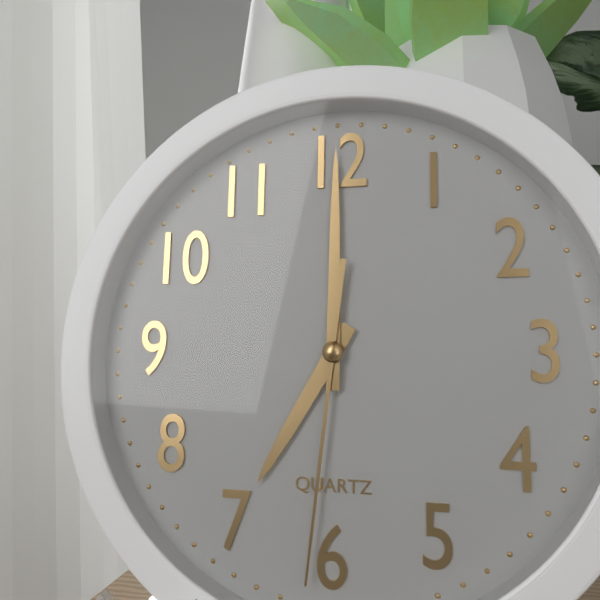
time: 7:00:31
